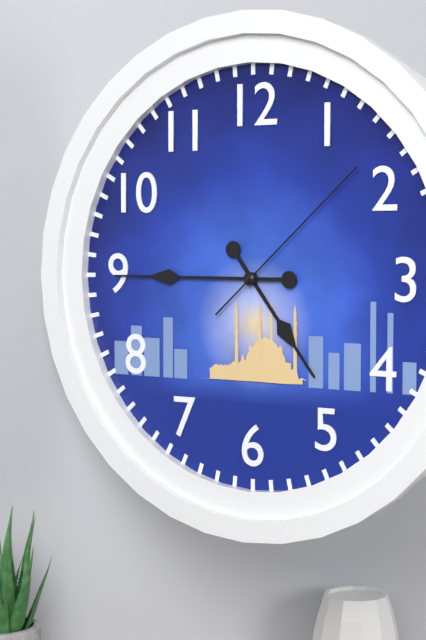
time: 4:45:08
